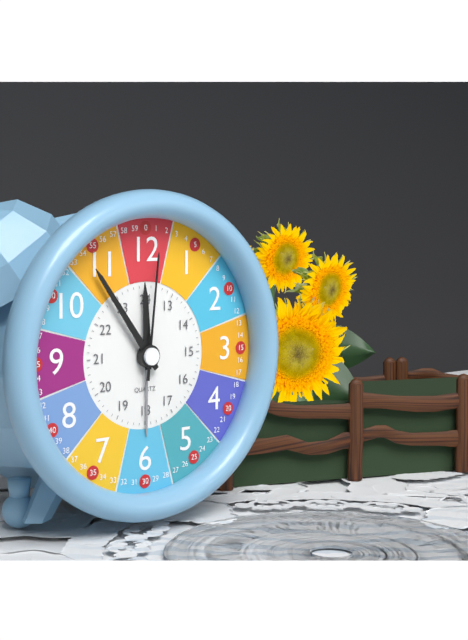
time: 11:54:01
